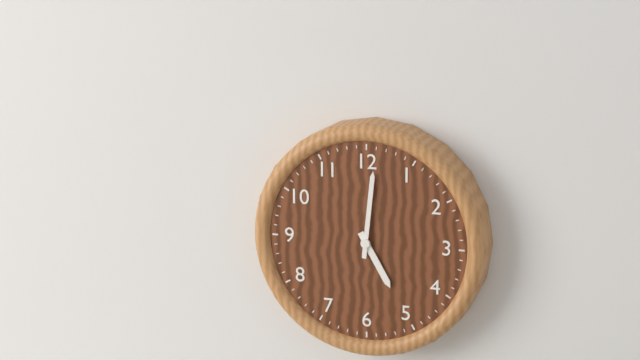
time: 5:01
